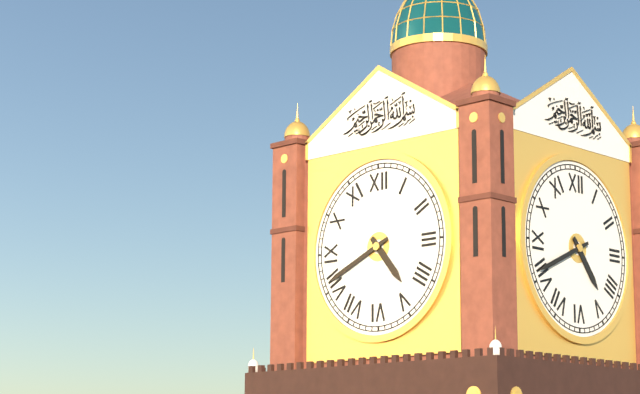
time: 4:41
